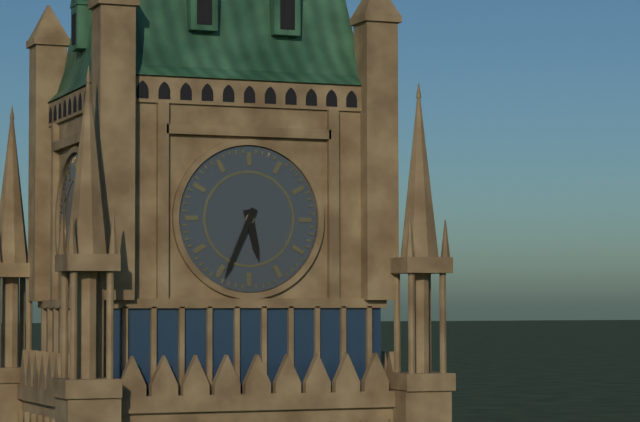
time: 5:34
